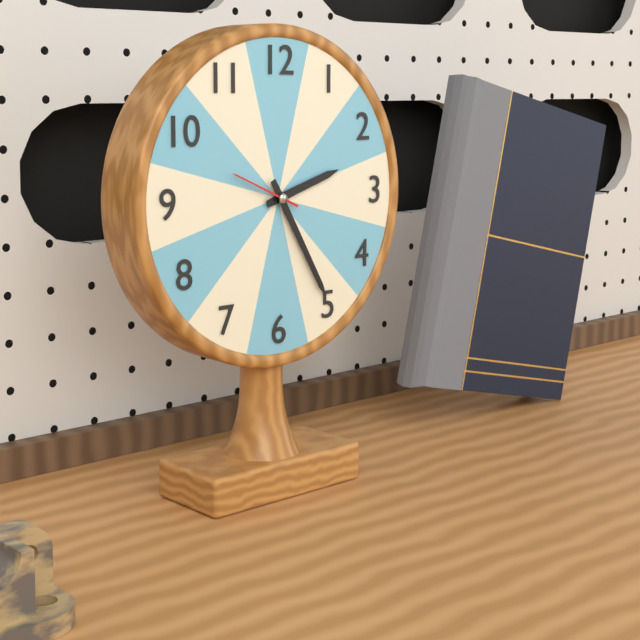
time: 2:25:49
